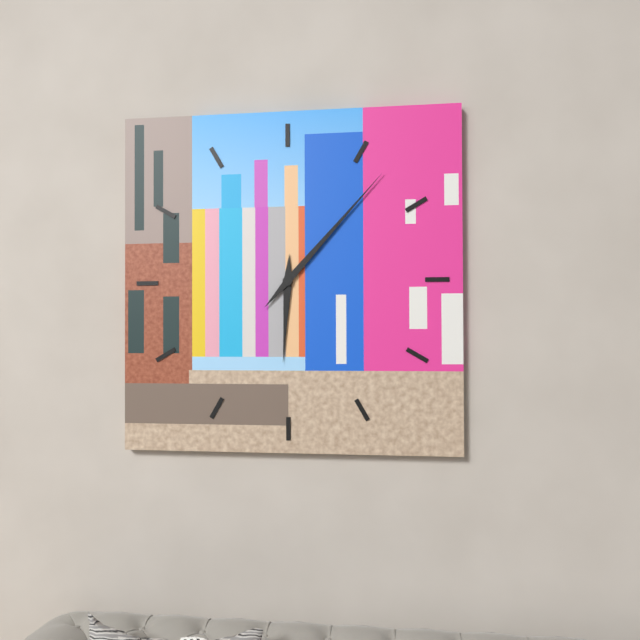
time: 6:07
